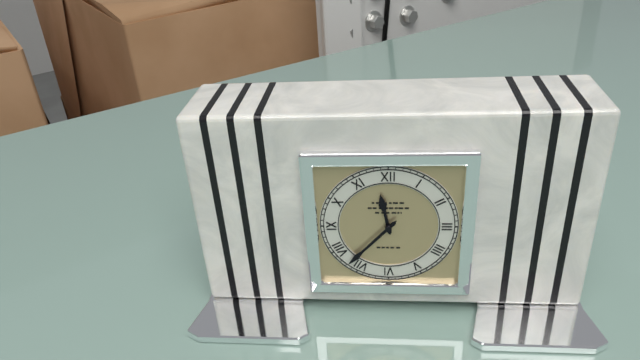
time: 11:37
